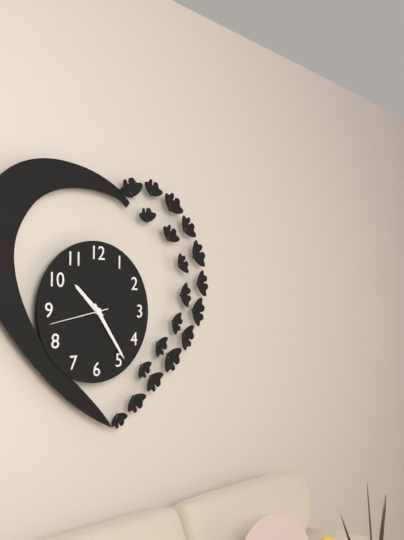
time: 10:24:43
